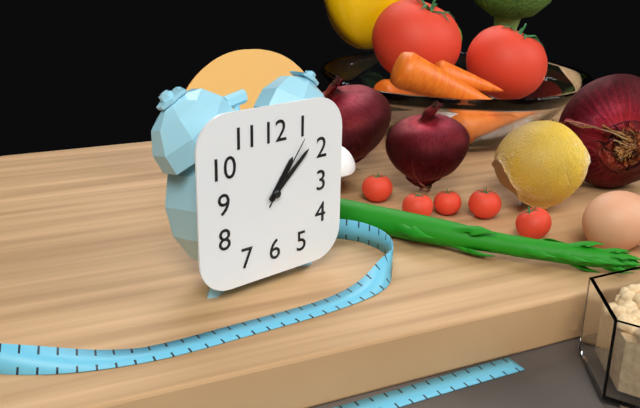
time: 1:08:06
